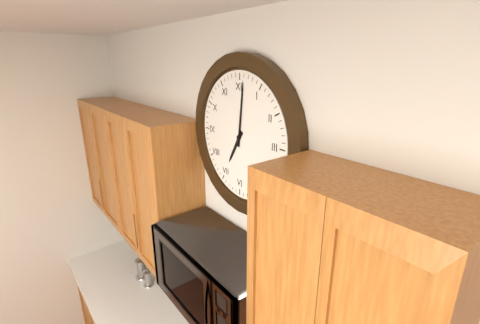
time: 7:01
